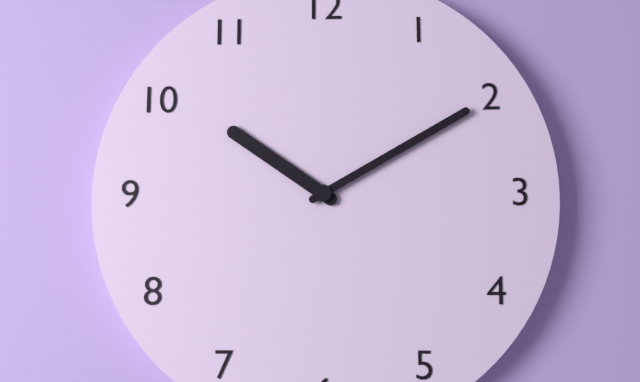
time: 10:10
